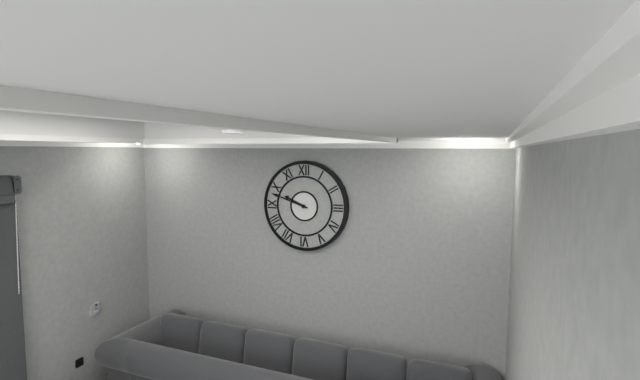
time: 9:48
